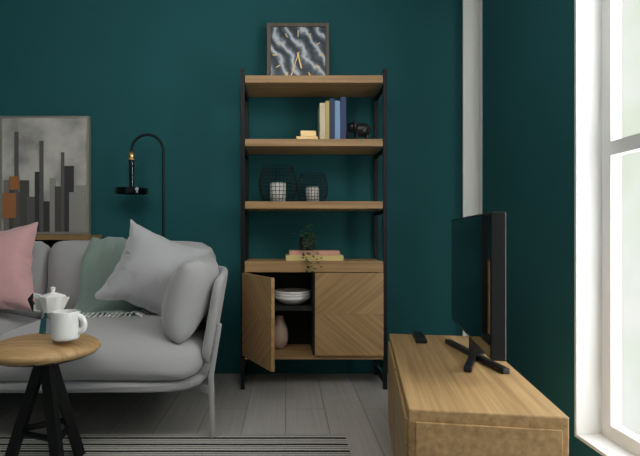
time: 5:33
